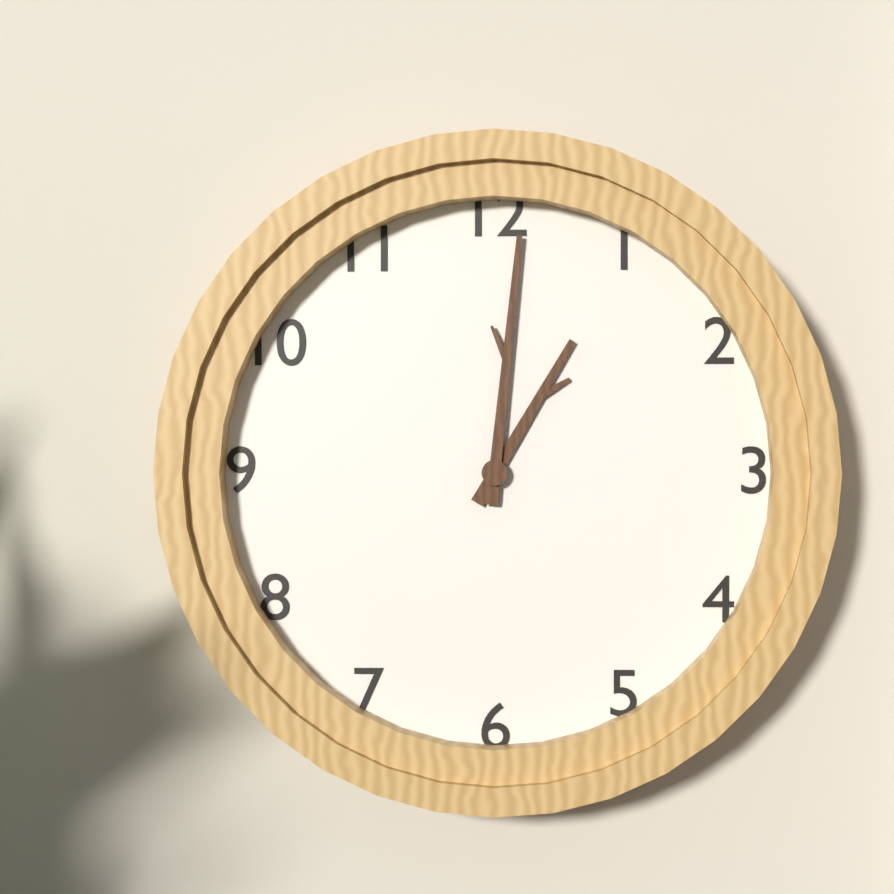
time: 1:01
